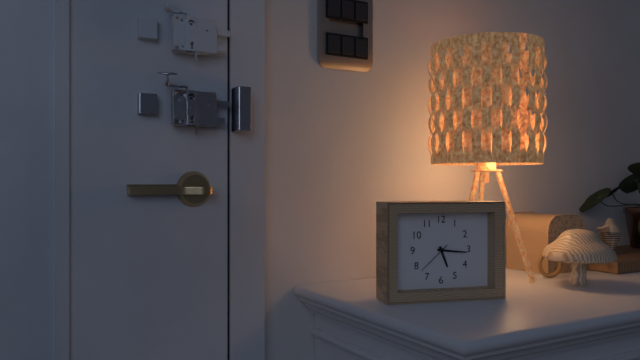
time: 5:16
